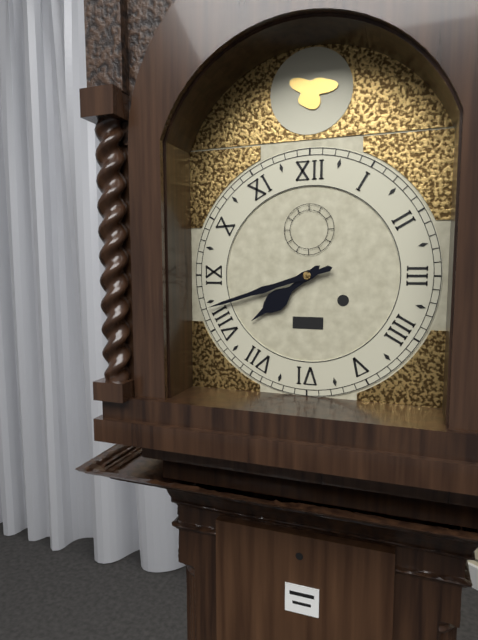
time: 7:42
